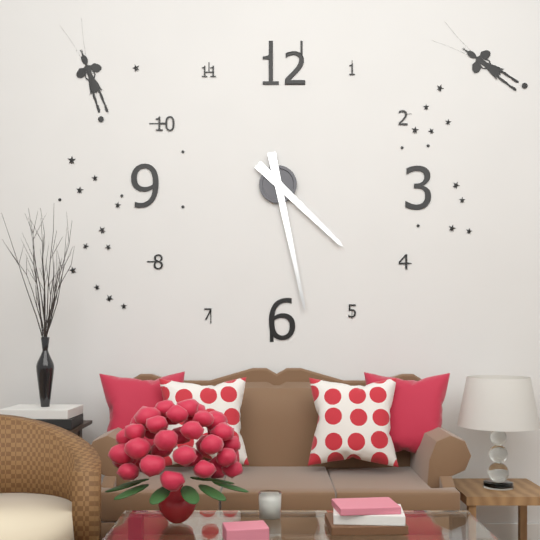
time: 4:28
